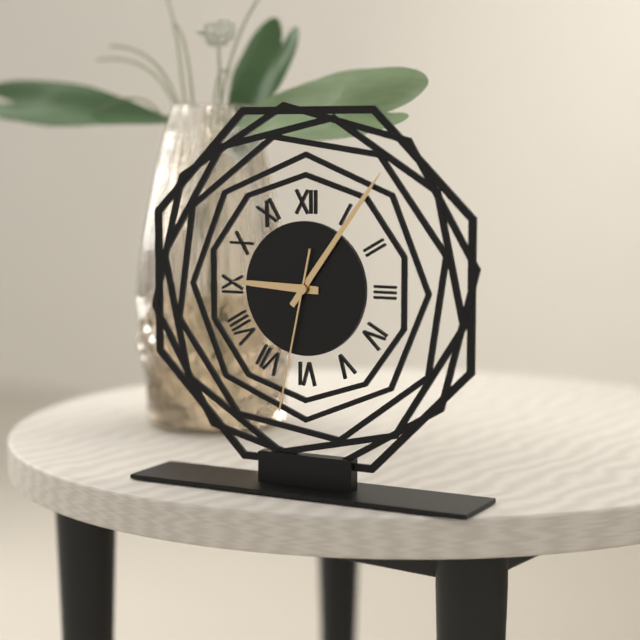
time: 9:06:32
